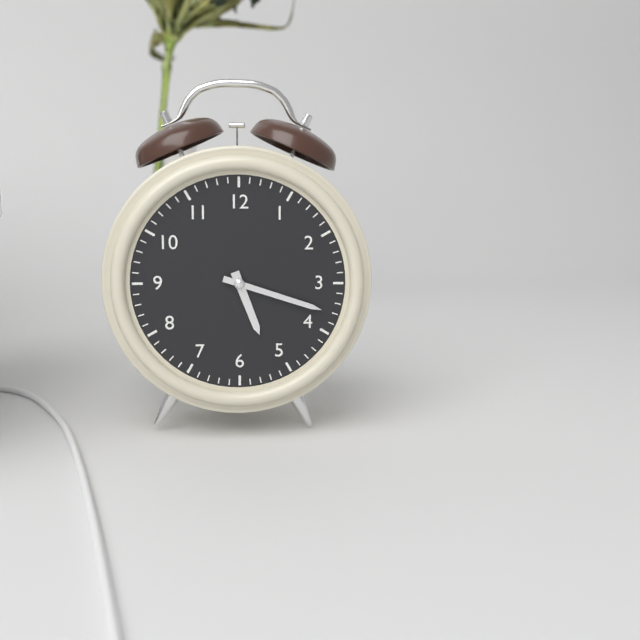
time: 5:18
